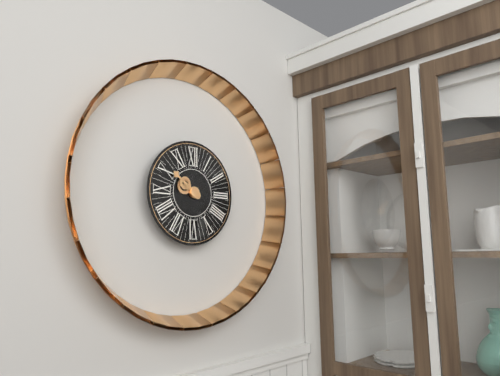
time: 9:51
